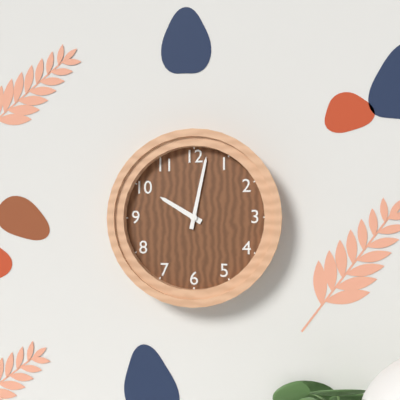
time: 10:02
